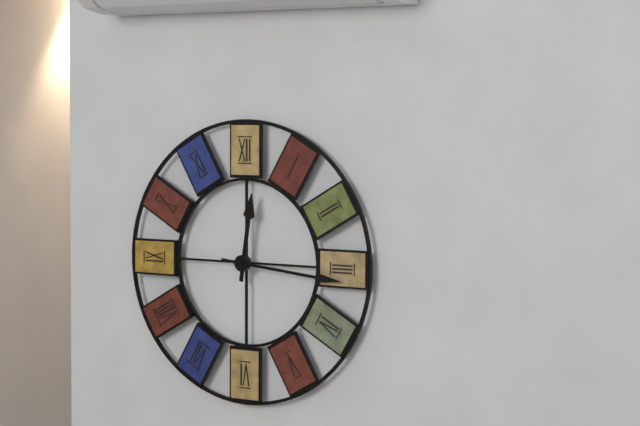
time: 12:16
